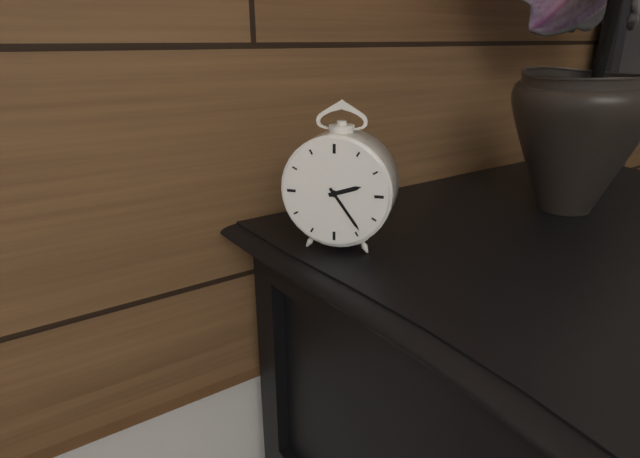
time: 2:24
